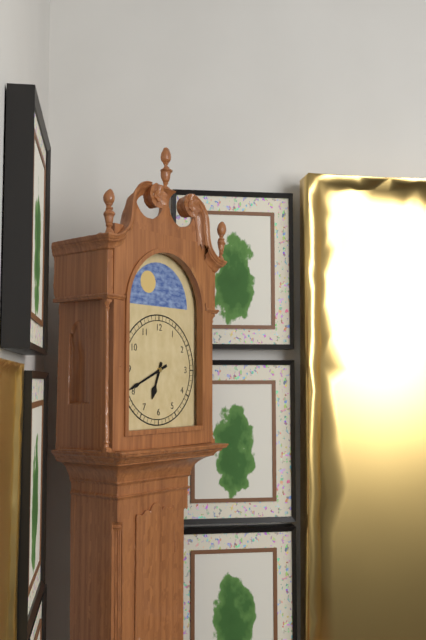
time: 6:41
